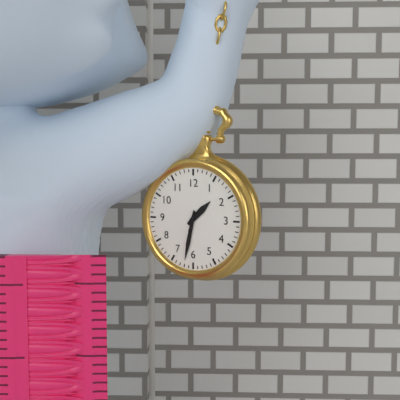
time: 1:32
